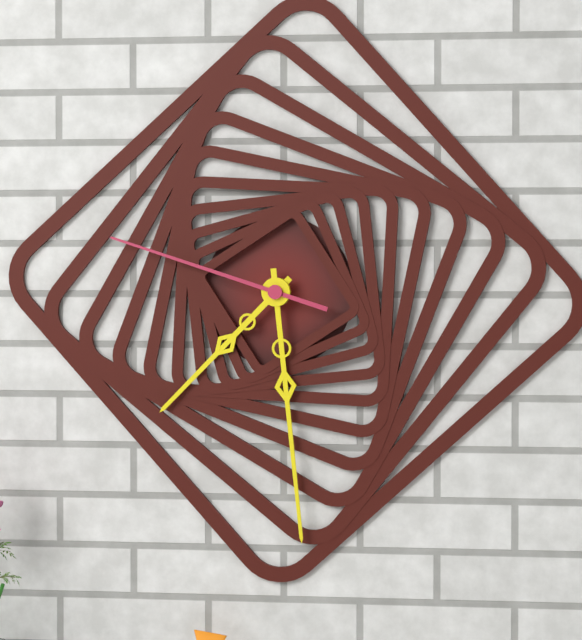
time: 7:29:48
